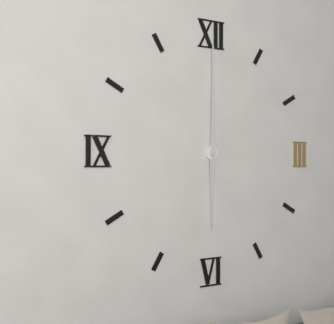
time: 6:00
